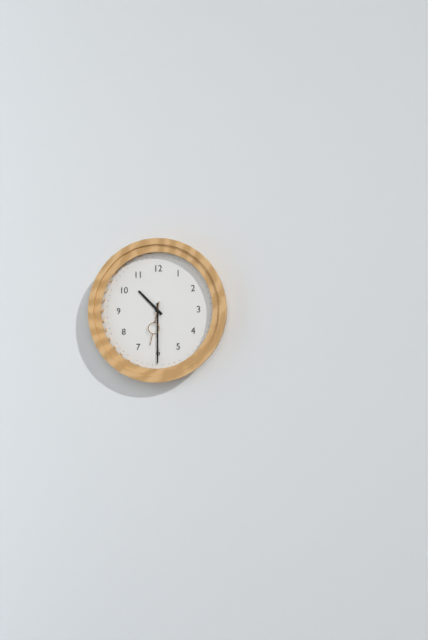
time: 10:30
